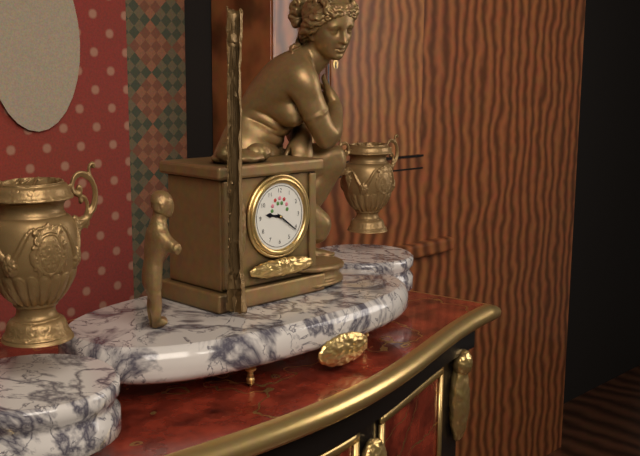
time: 9:21
